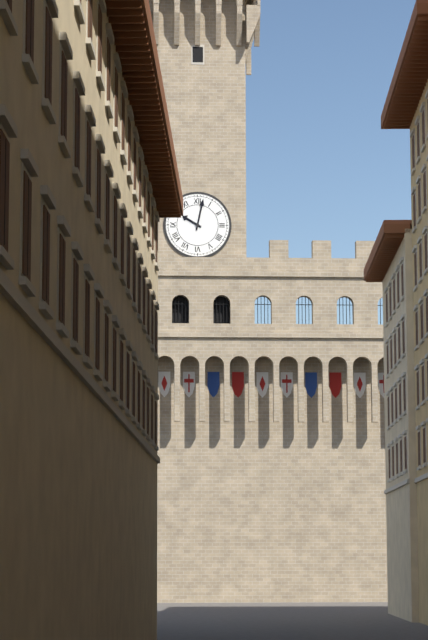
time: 10:02
